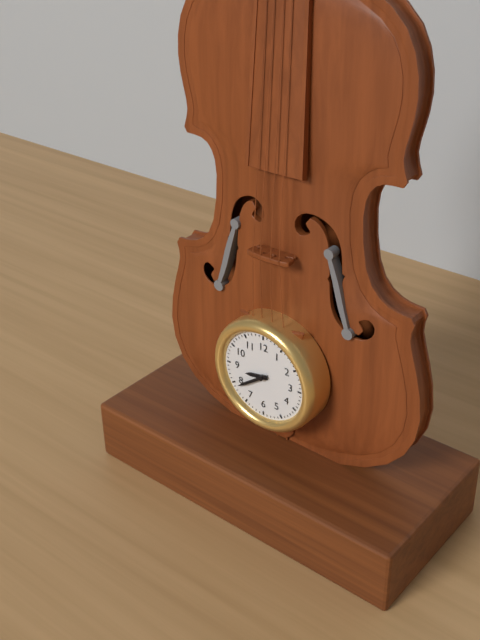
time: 8:39
